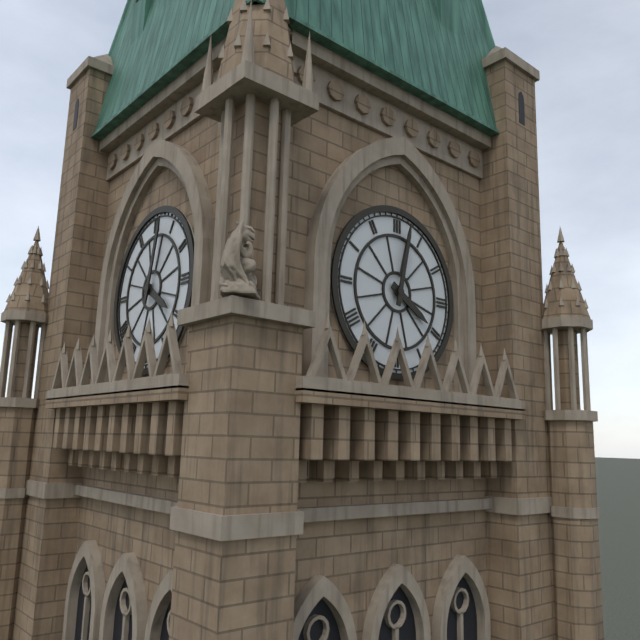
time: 4:02
